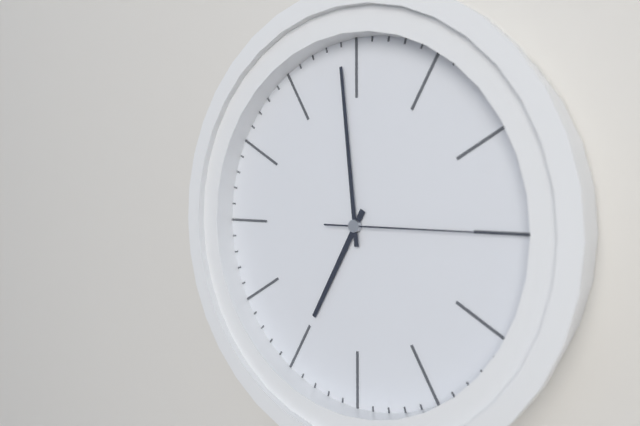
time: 6:59:15
